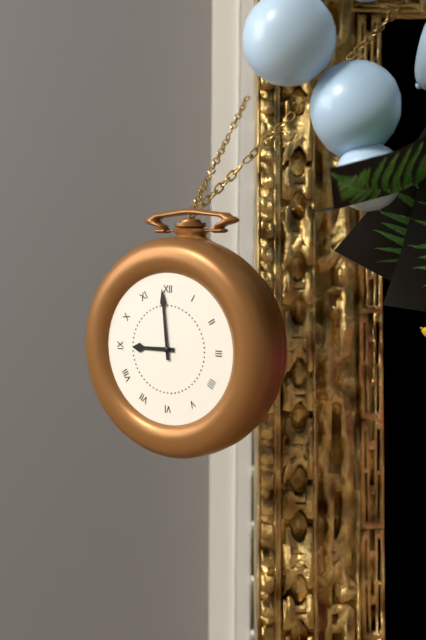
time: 8:59
